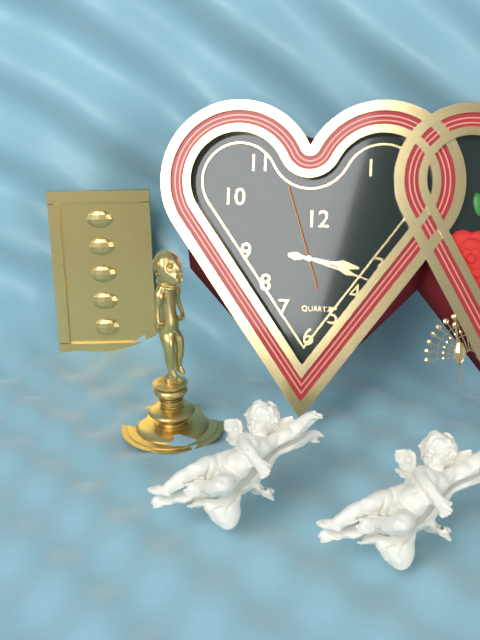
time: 3:18:57
